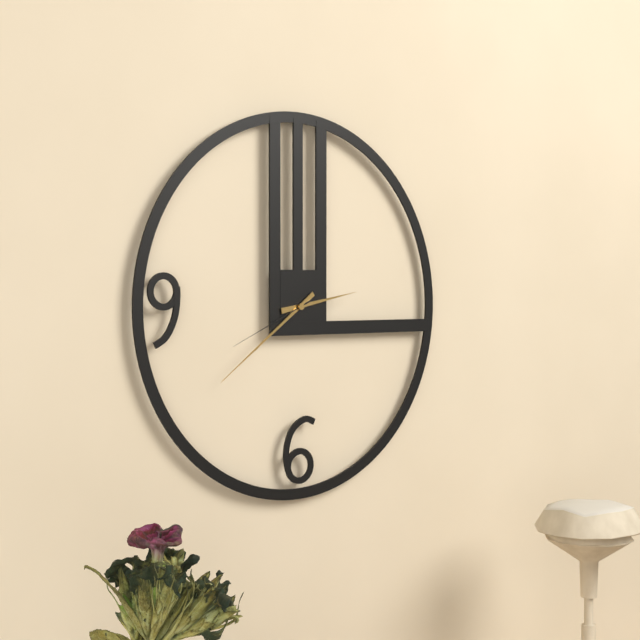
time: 2:39:41
